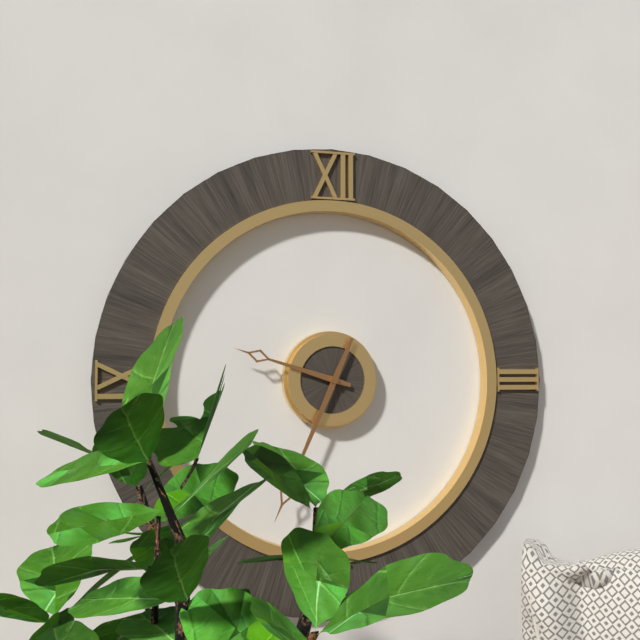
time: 9:34
